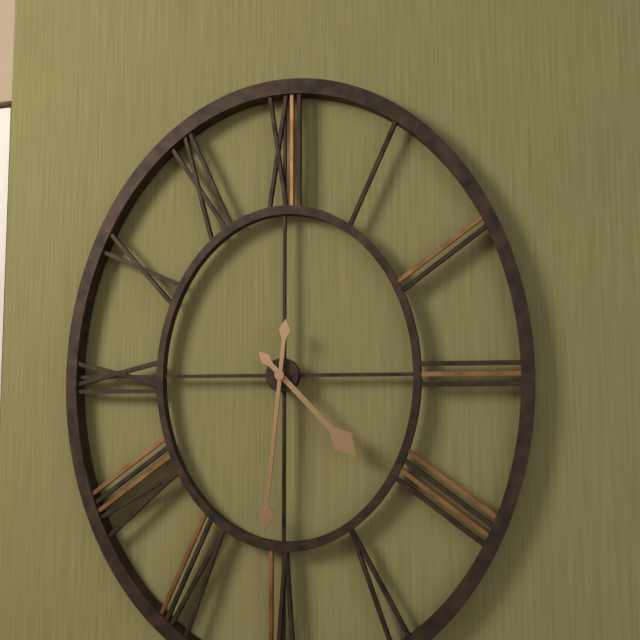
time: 4:31
